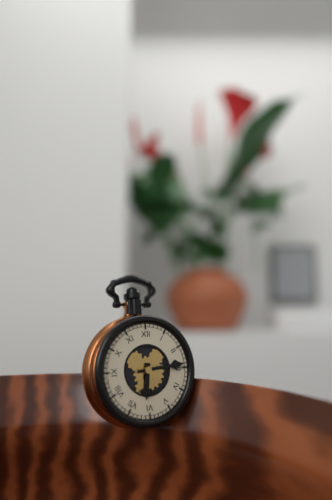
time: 6:14
